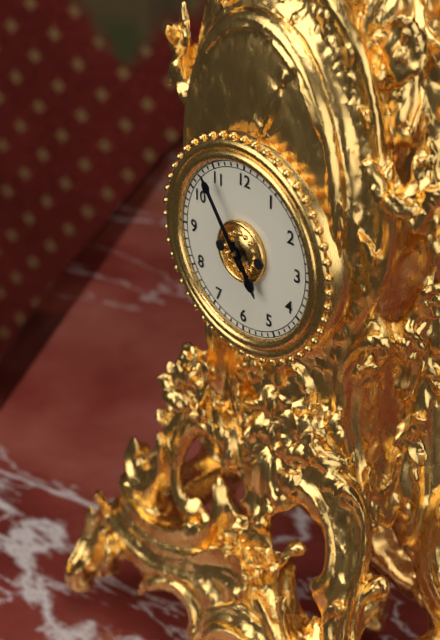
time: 4:54
